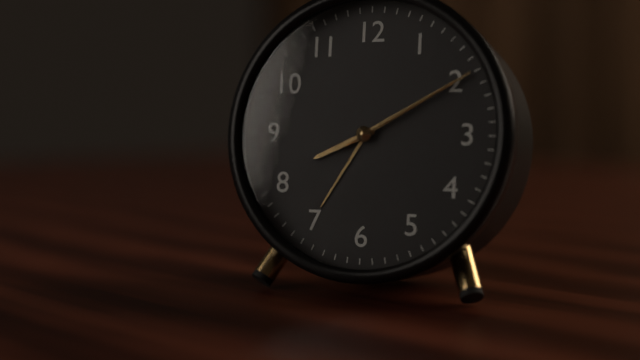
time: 8:10:10
